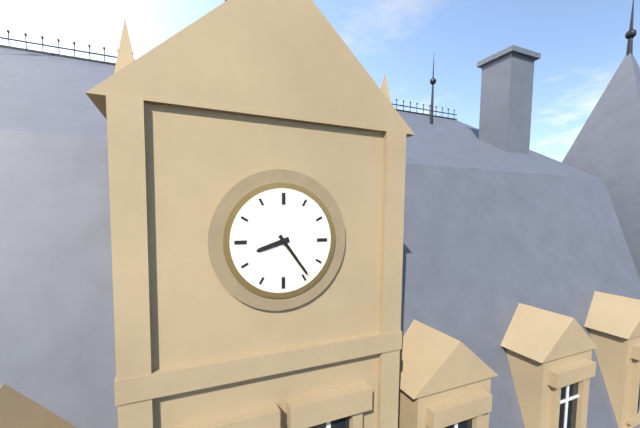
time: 8:24
